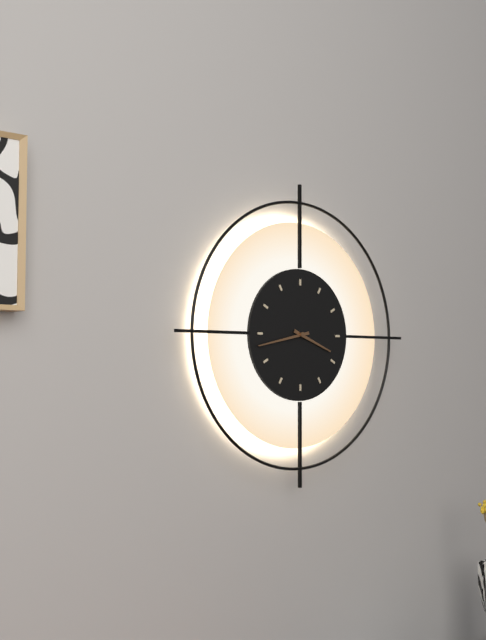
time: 3:43
